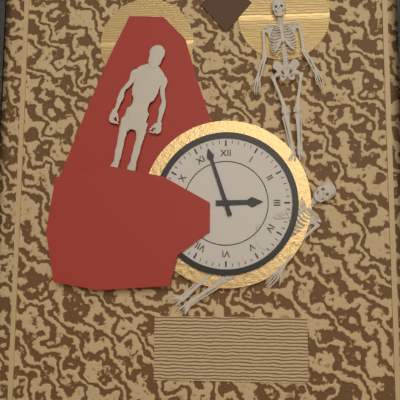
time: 2:57
